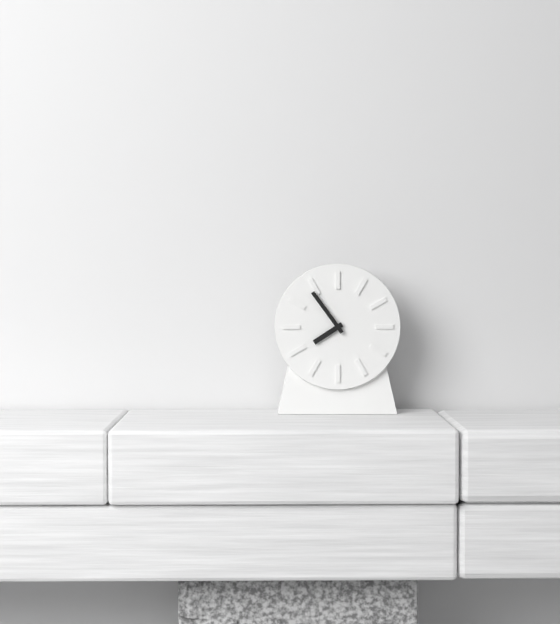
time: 7:54
